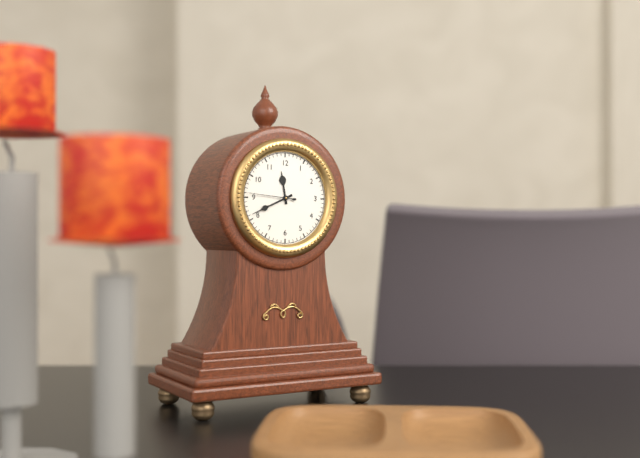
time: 11:41
